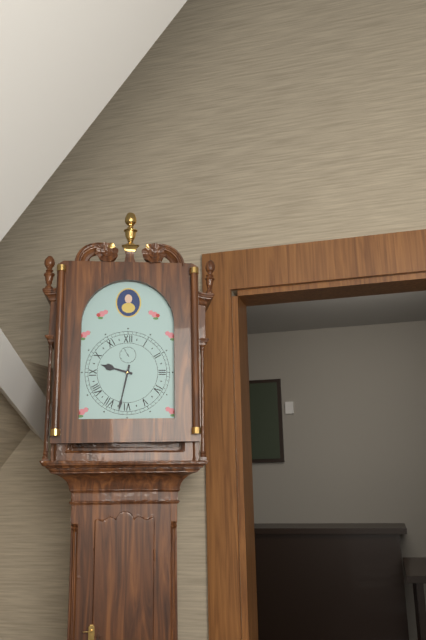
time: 9:32
